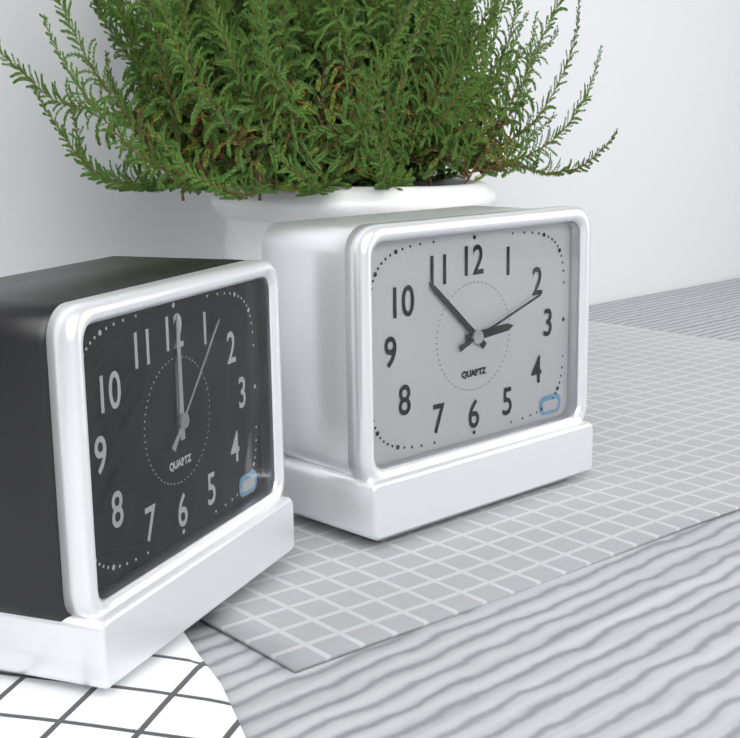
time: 2:52:12
